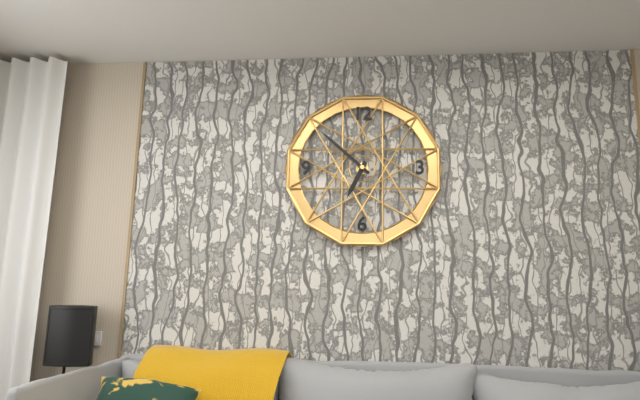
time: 6:52
